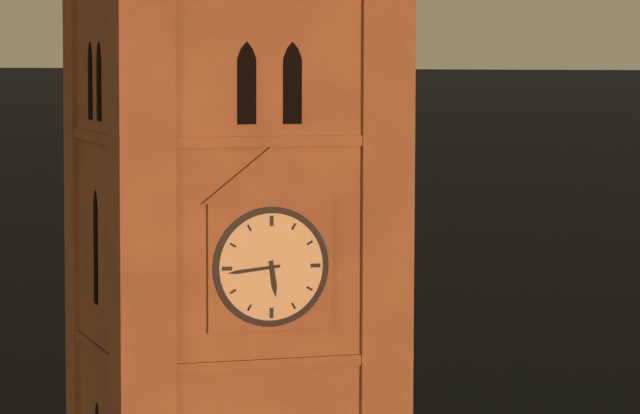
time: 5:44
